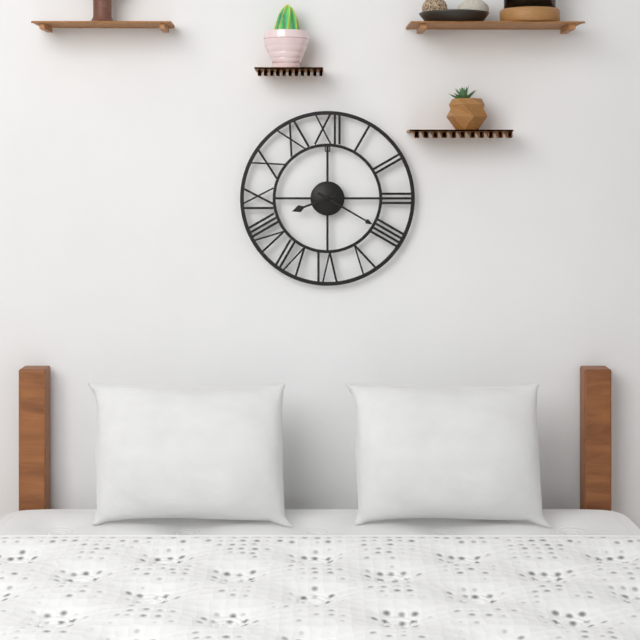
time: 8:20
